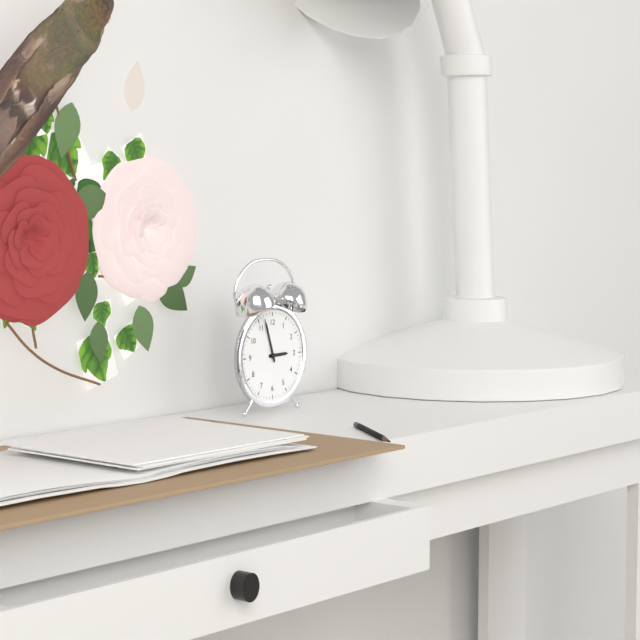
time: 2:57
